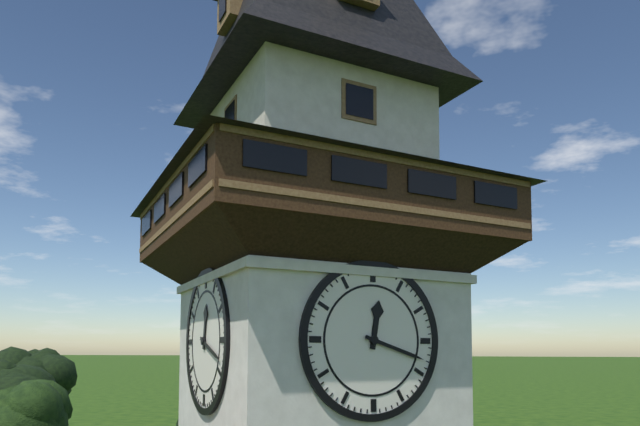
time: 12:18
